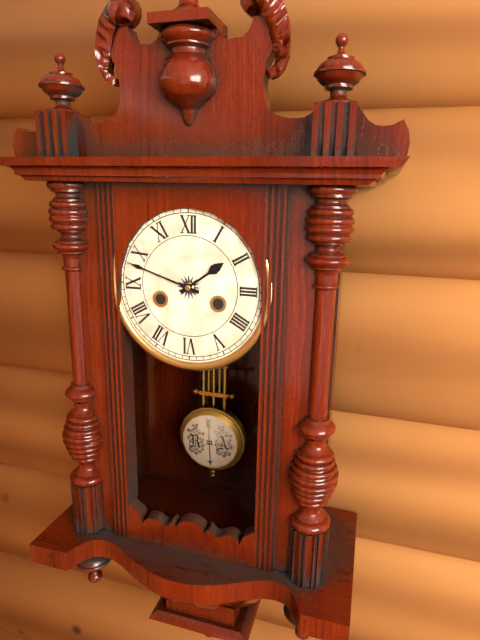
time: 1:48
